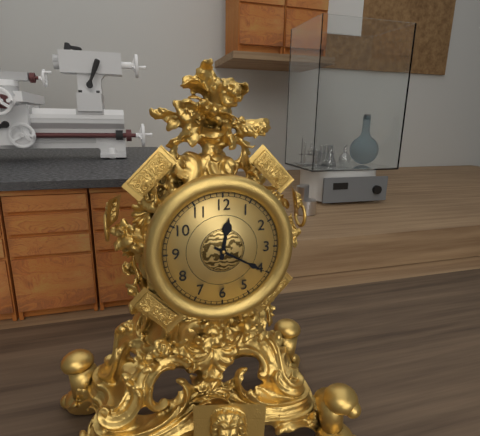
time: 12:20
